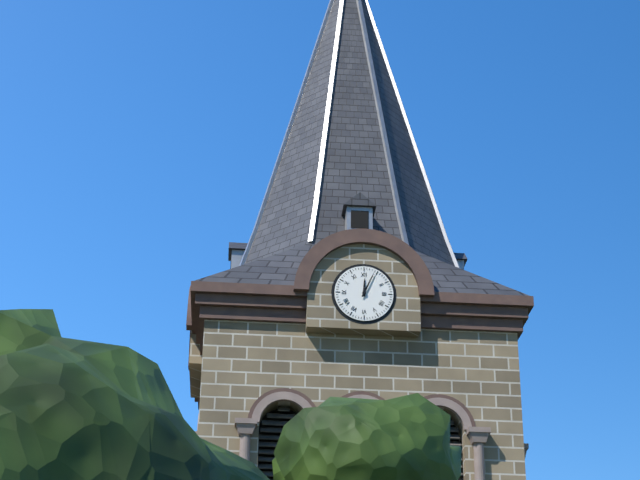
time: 12:04
